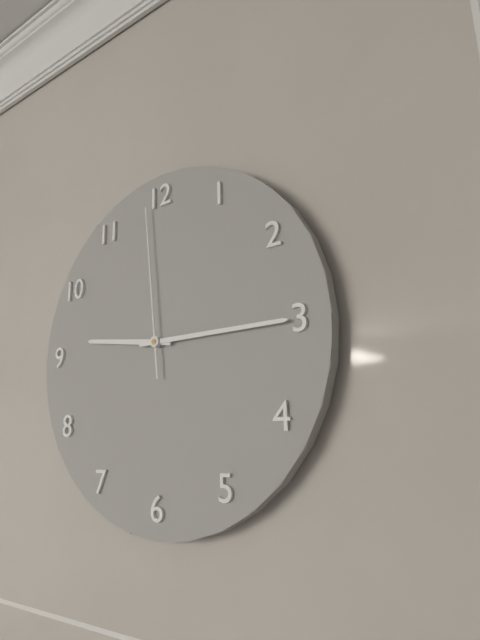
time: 9:15:59
